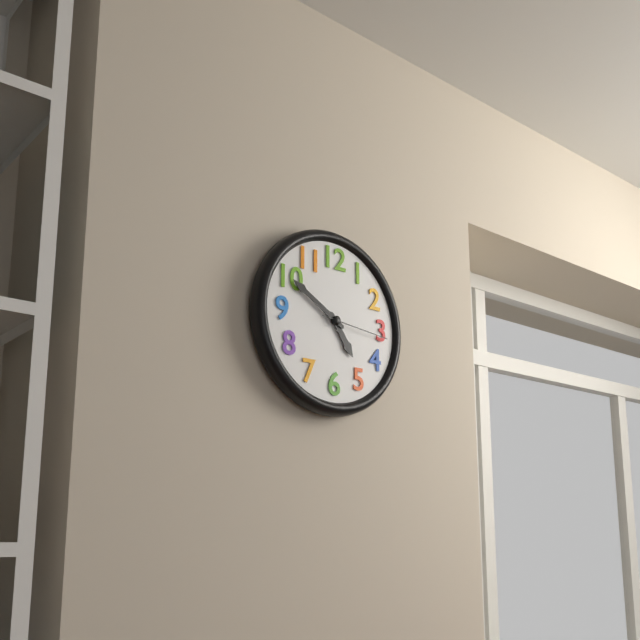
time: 4:50:16
